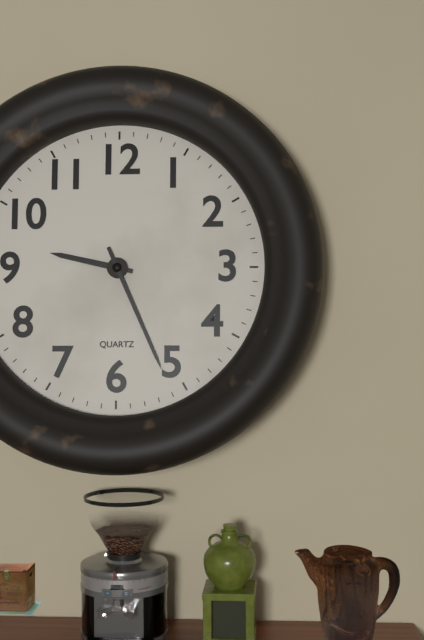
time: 9:26
